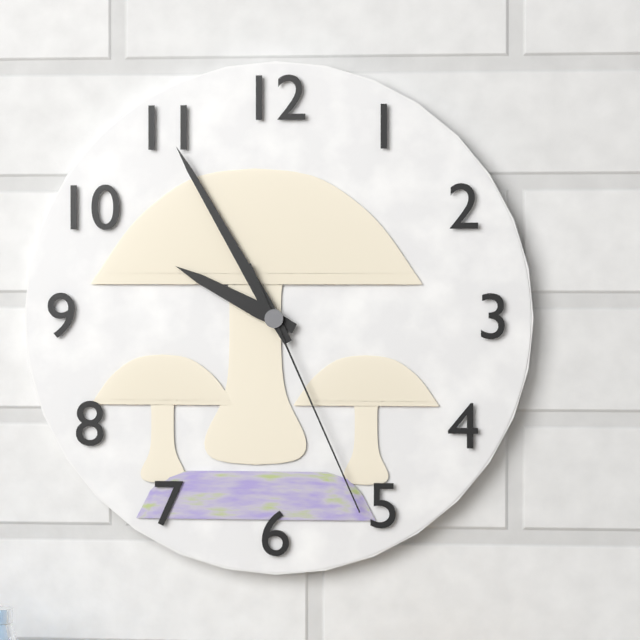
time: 9:55:26
